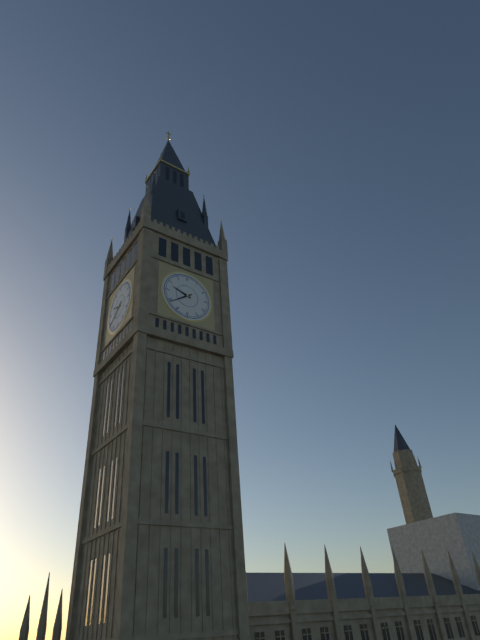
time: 9:39
